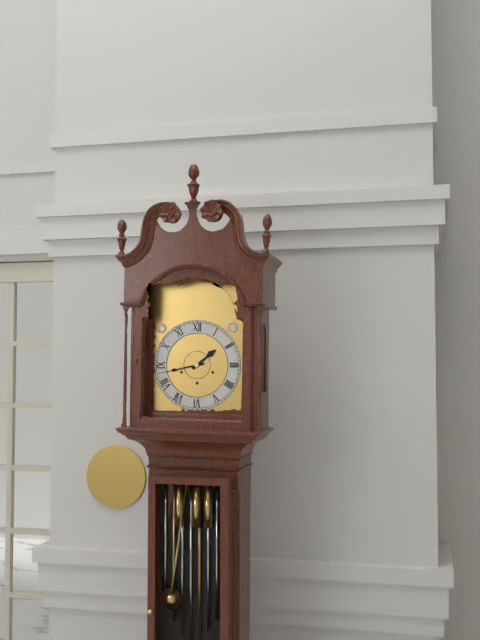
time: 1:43
